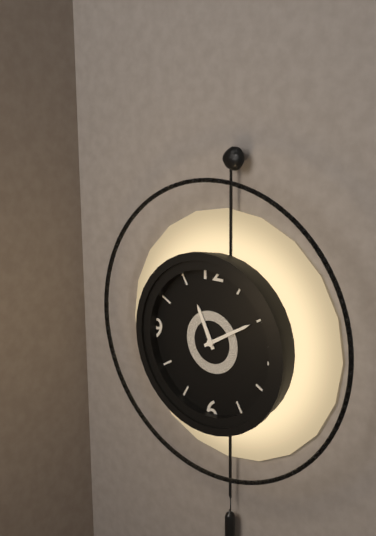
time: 11:10
